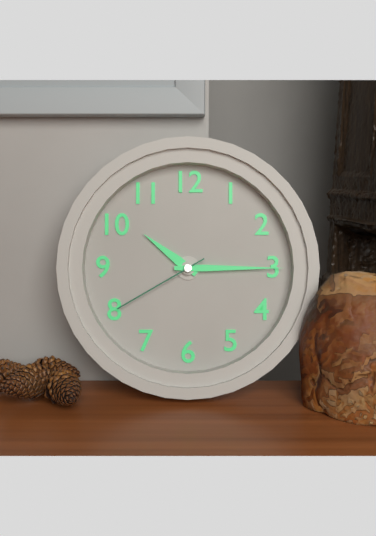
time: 10:15:40
